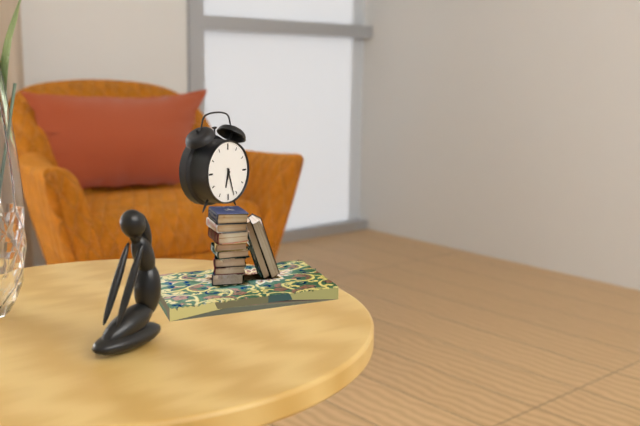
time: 6:27
